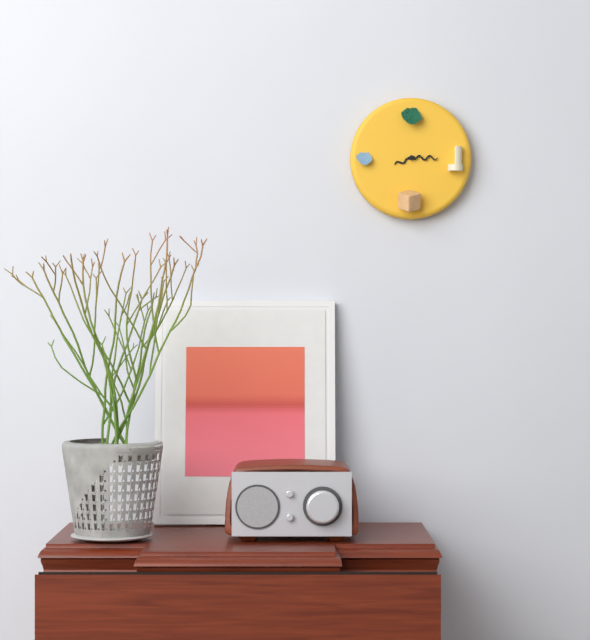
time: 8:15
